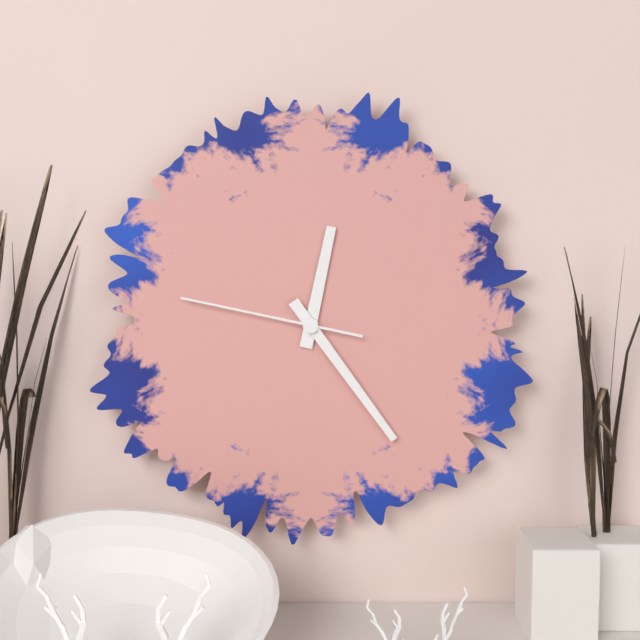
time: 12:24:47
